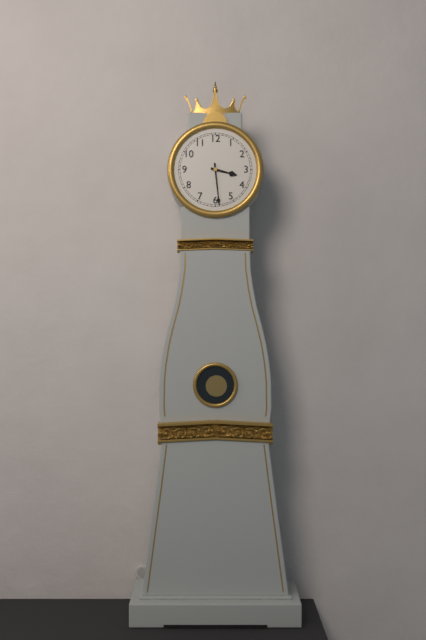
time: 3:29
